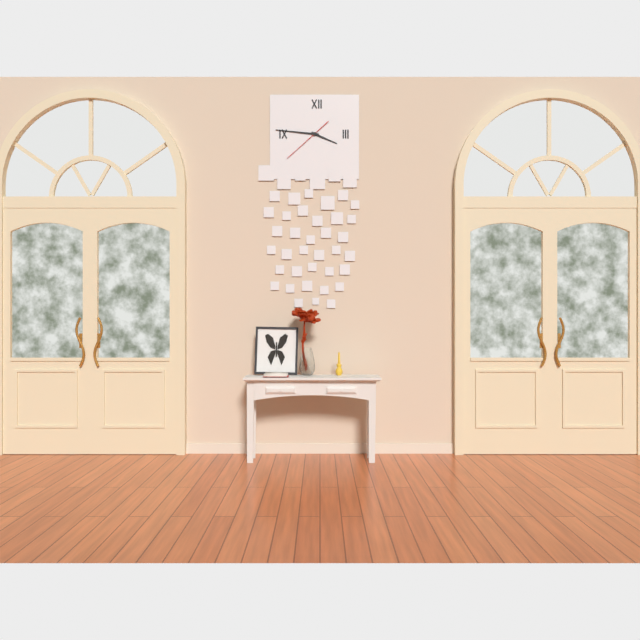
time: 3:46
